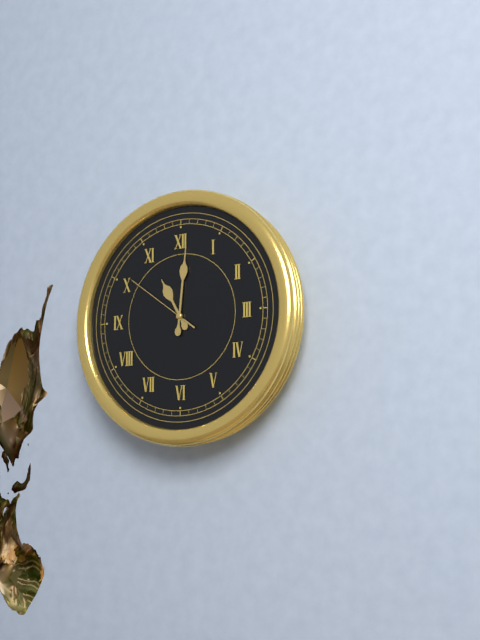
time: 11:01:51
